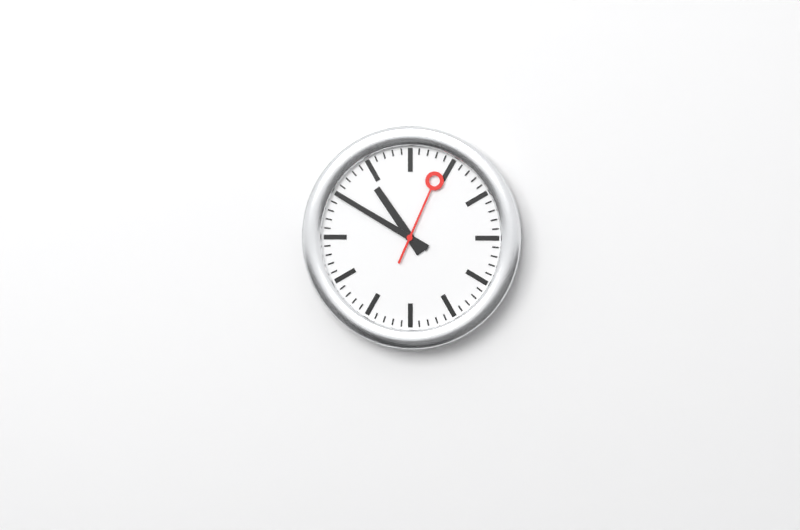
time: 10:50:04
